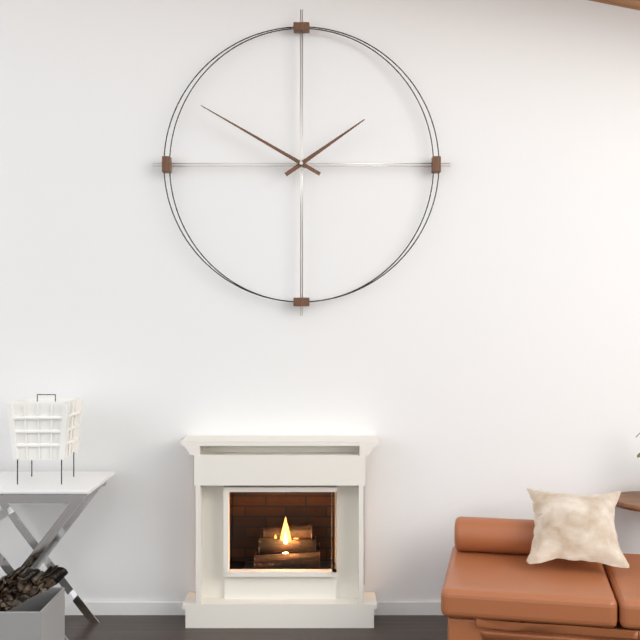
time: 1:50
